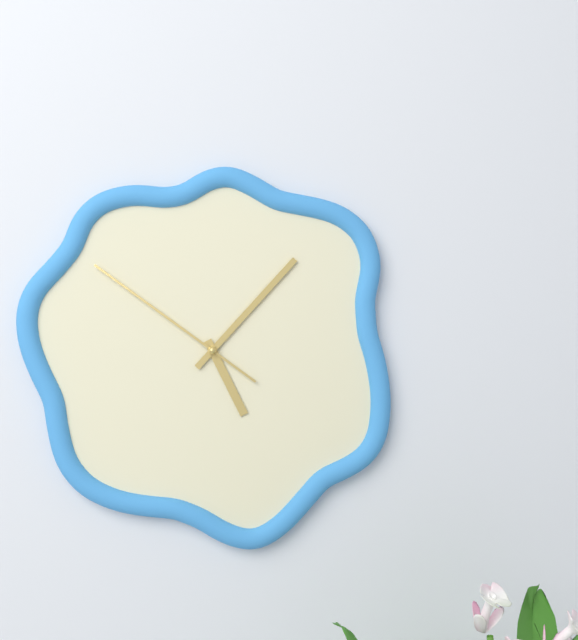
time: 5:07:51
